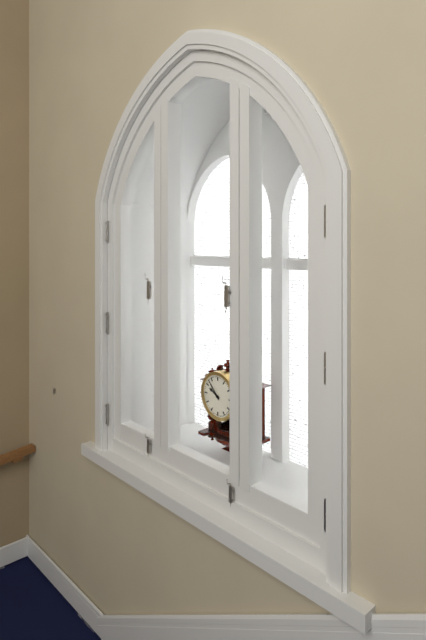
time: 9:53
